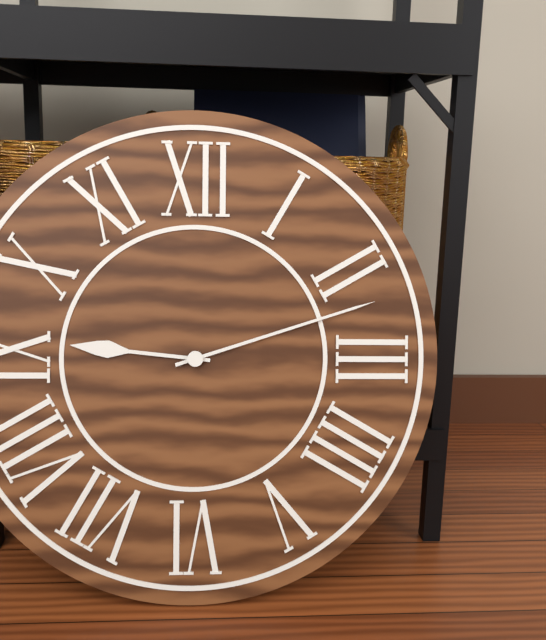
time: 9:12
